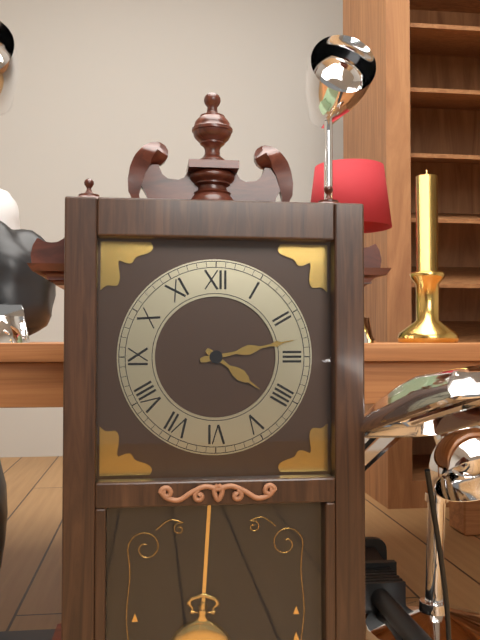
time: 4:13
